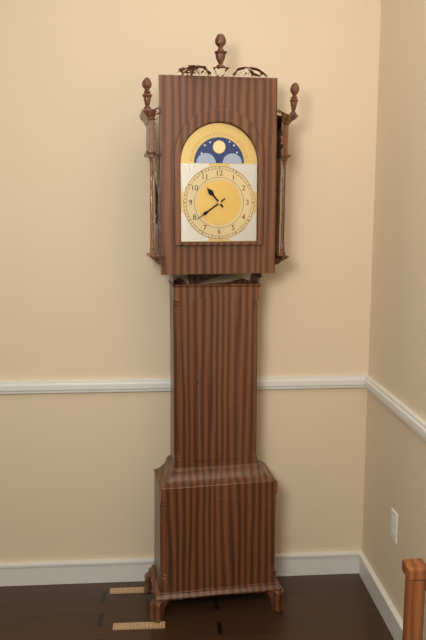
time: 10:39
